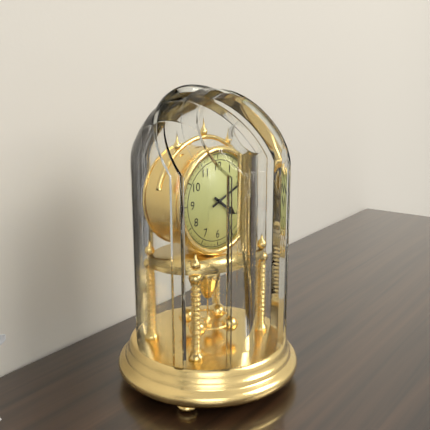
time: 4:11
